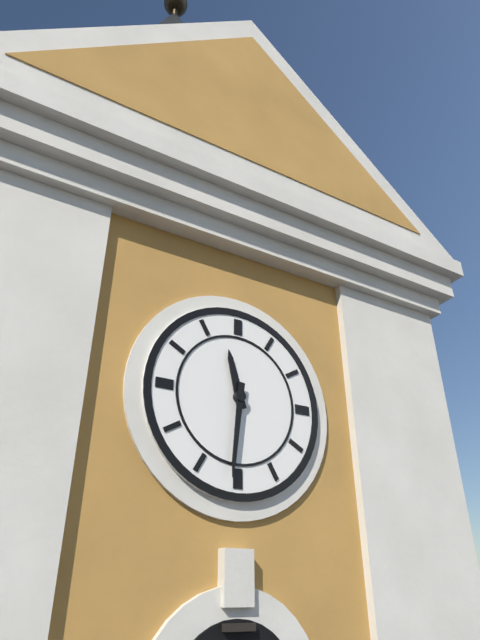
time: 11:31
